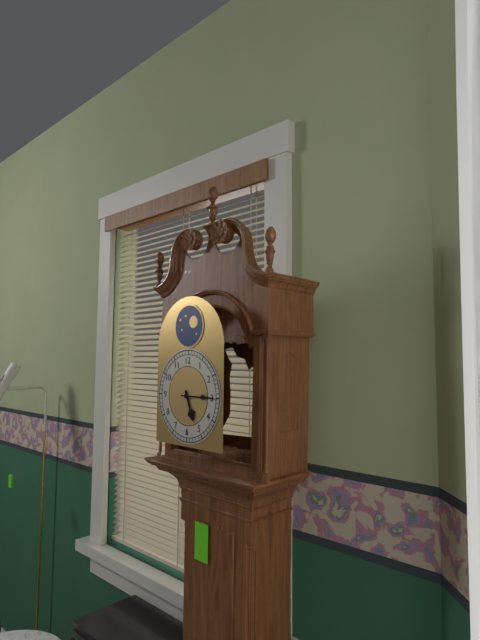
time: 5:15
